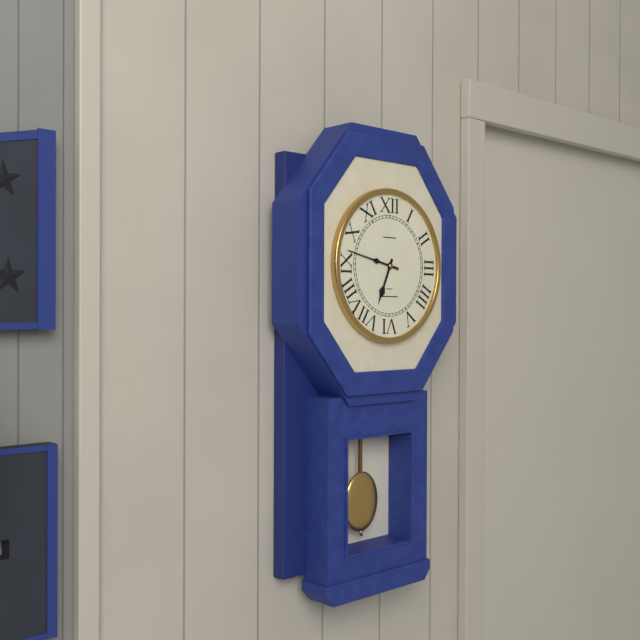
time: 6:47
